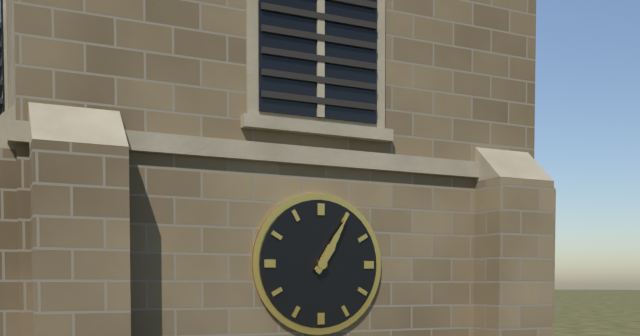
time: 1:05
